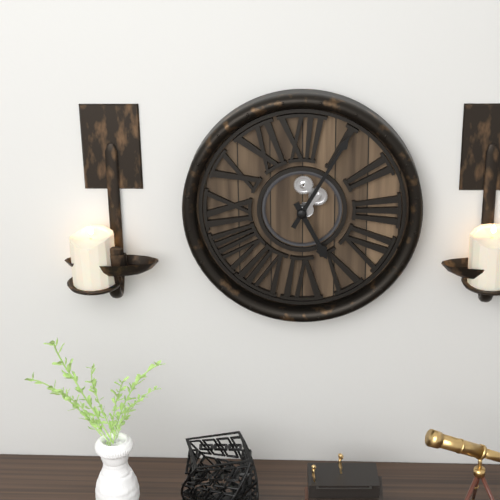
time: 5:05
